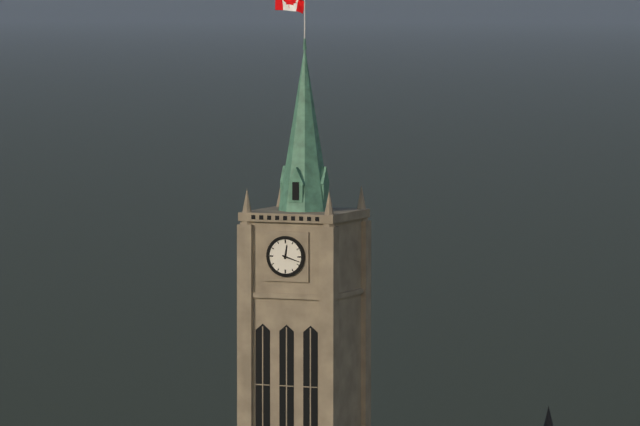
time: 12:18
